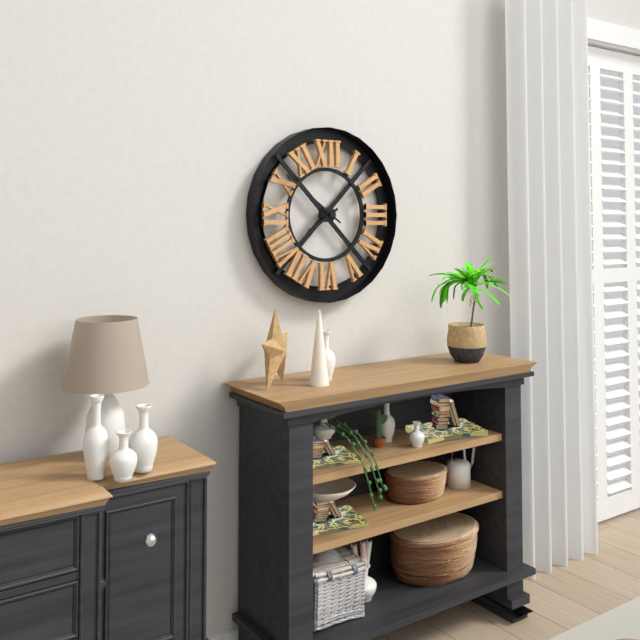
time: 7:51
